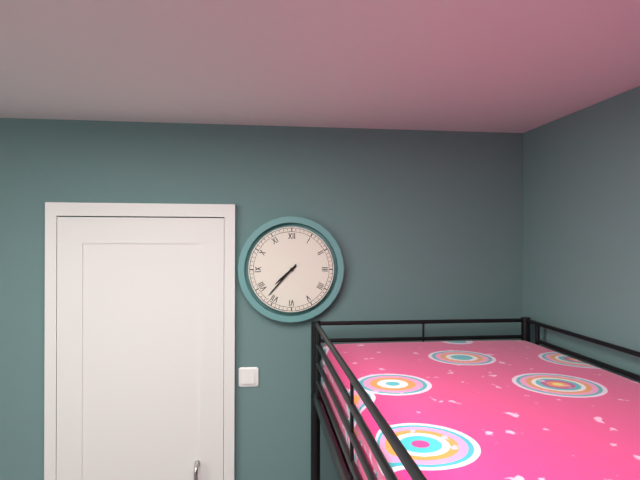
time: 7:37
